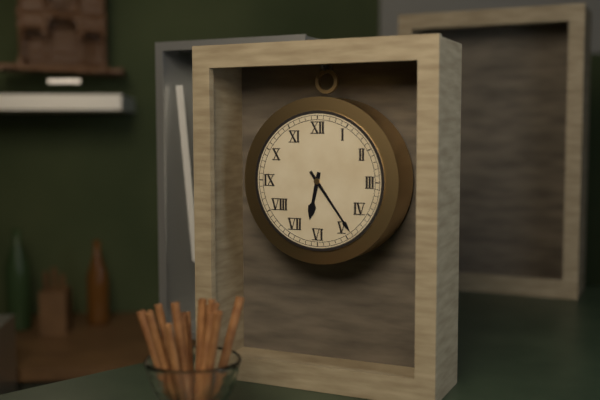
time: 6:24
